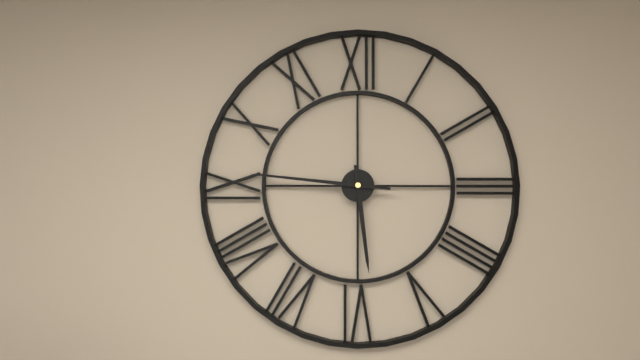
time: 5:46
